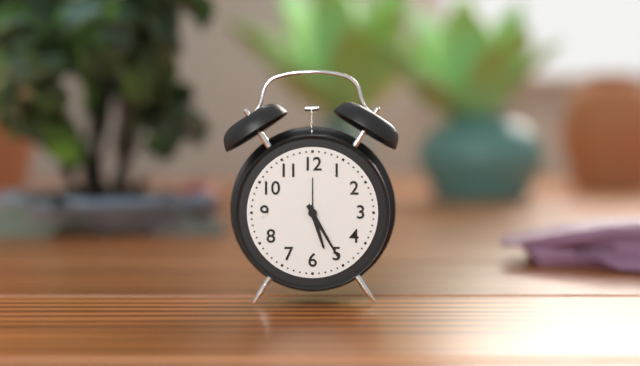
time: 5:25
